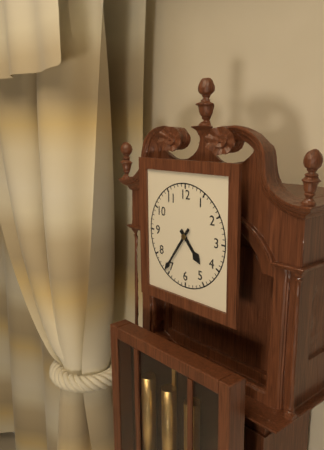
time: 4:36
